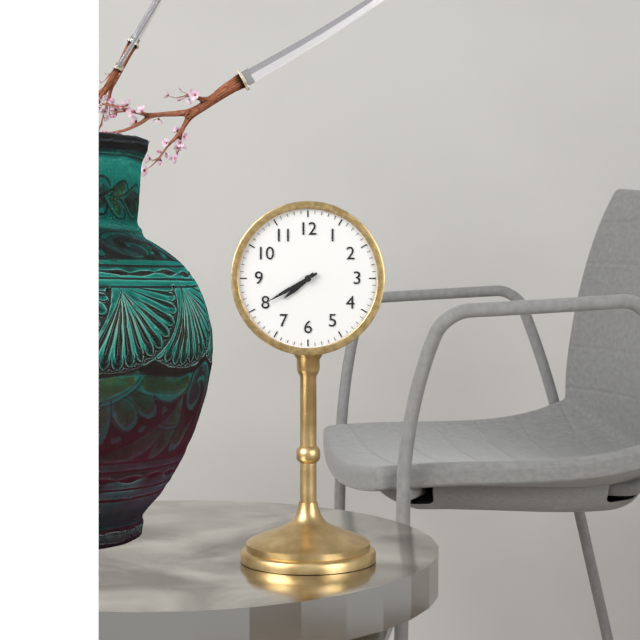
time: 7:40
